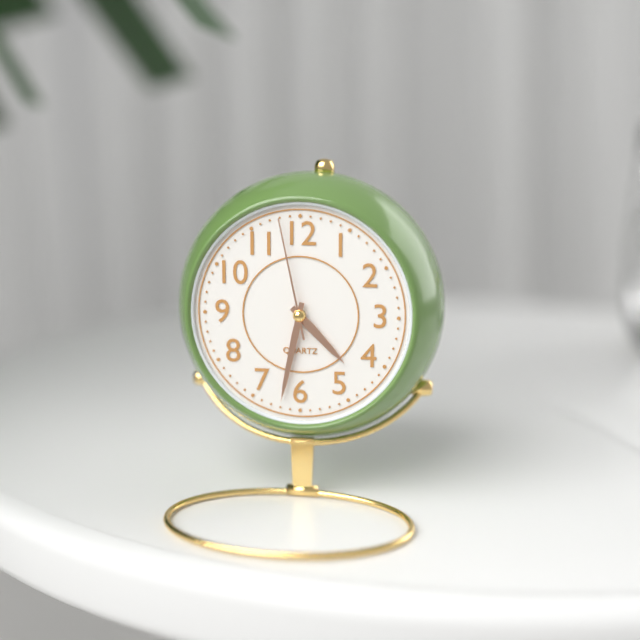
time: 4:32:58
